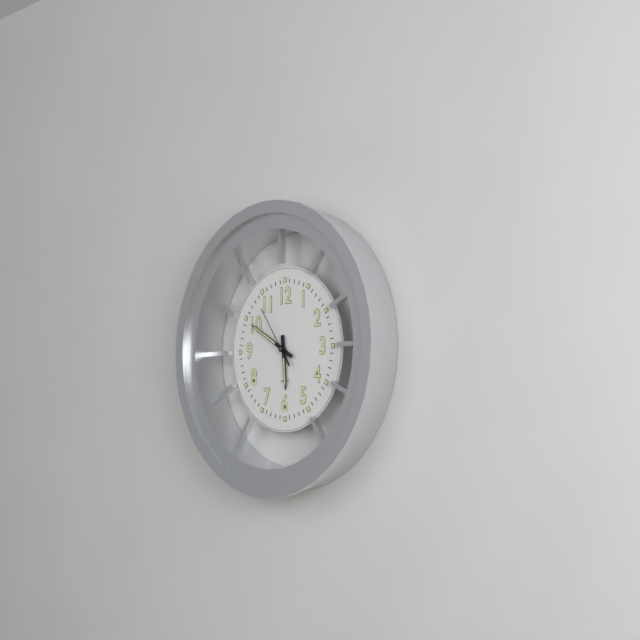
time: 5:50:54
